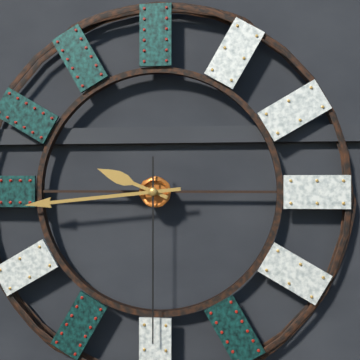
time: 9:44:30
